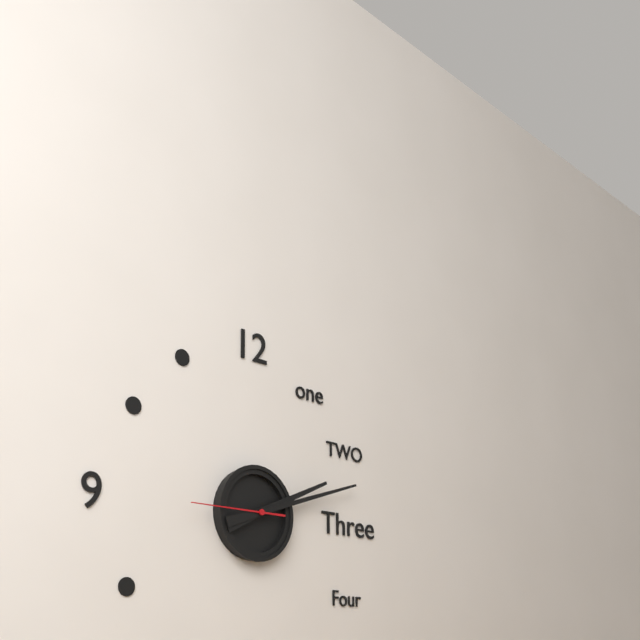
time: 2:12:45
